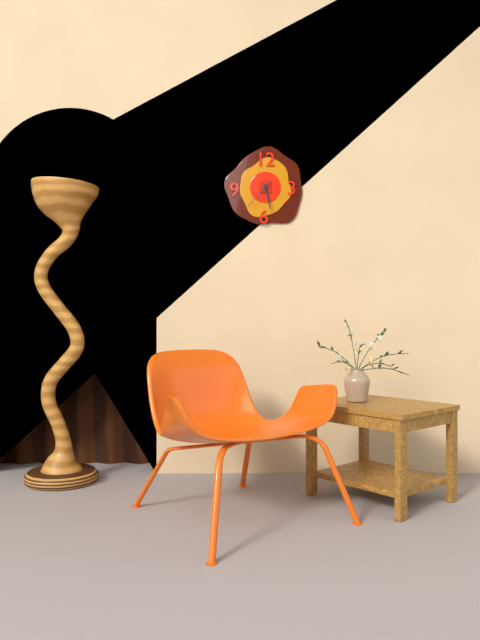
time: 5:28
